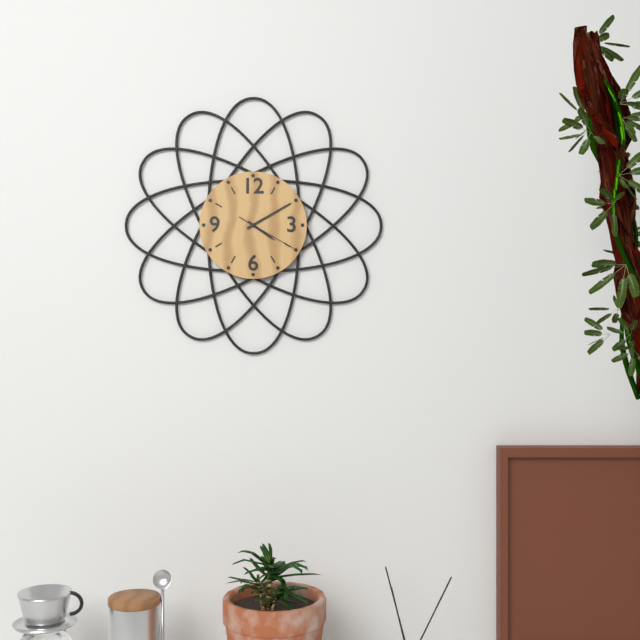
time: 4:10:20
